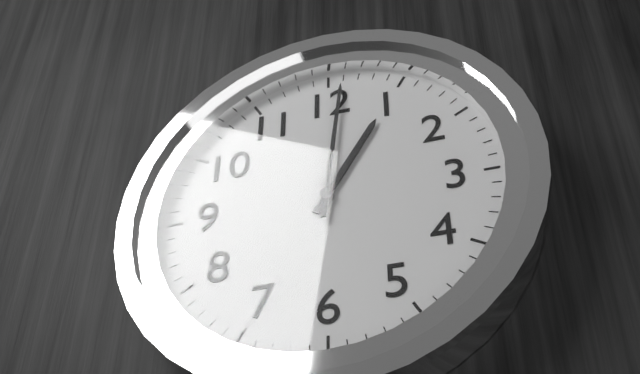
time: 1:01
